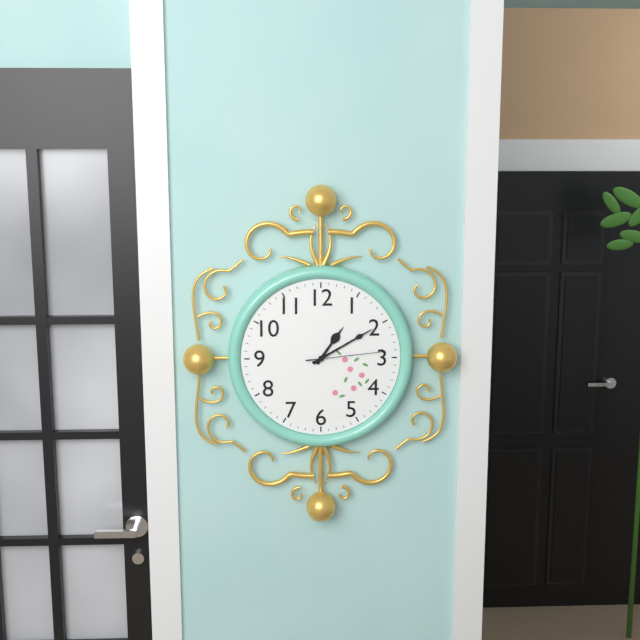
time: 1:10:14
